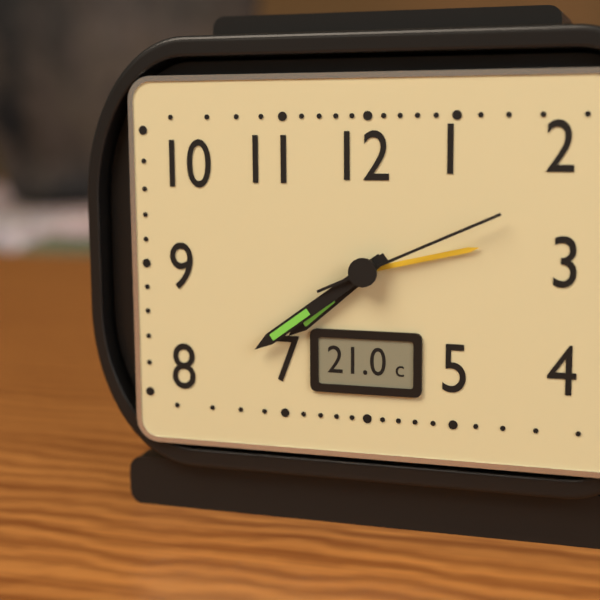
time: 7:39:11
